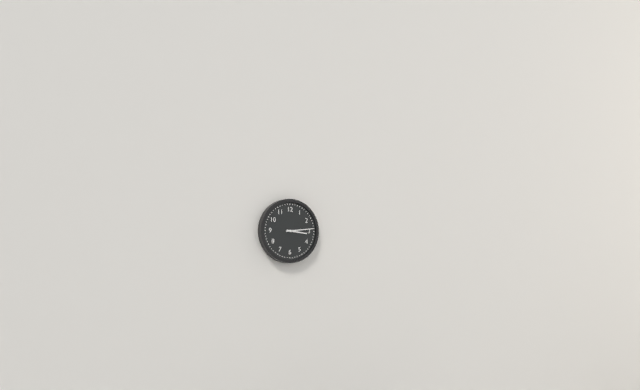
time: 3:14
